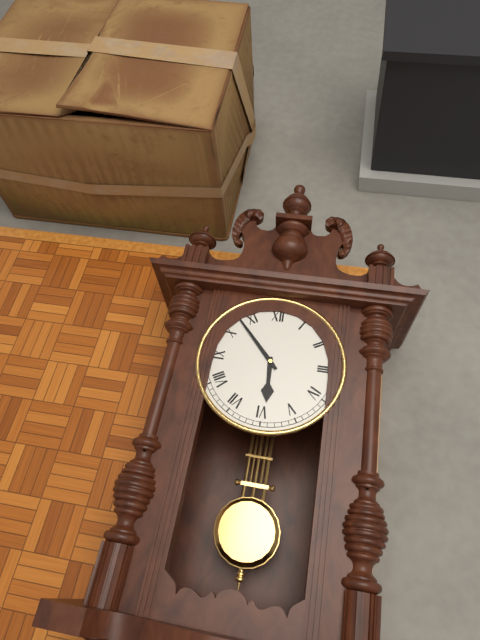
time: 5:53
